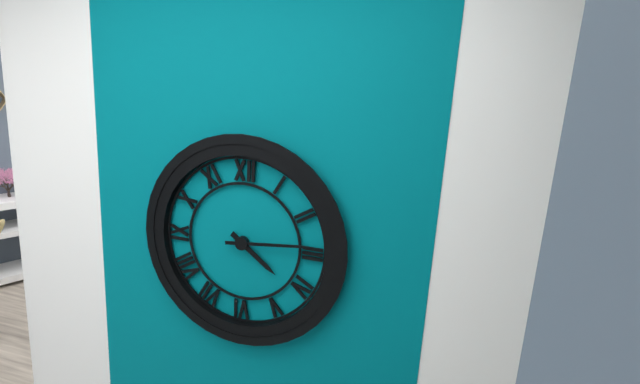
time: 4:14
